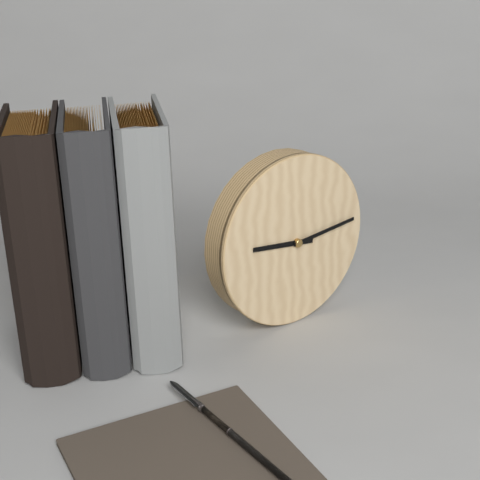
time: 9:14
